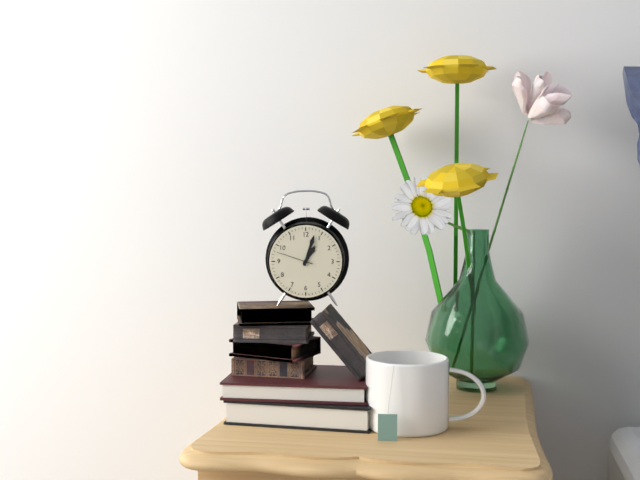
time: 1:03
